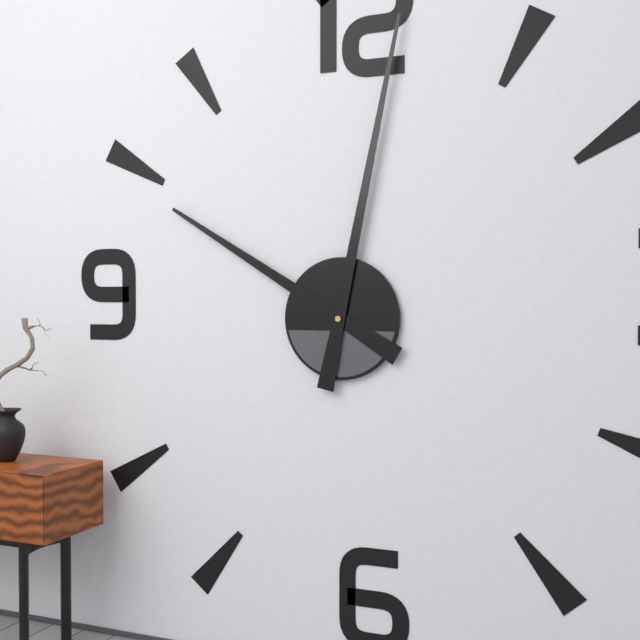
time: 10:02
